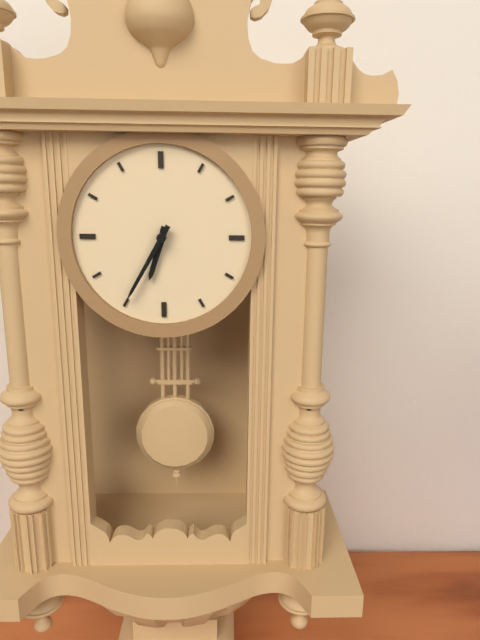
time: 6:35
